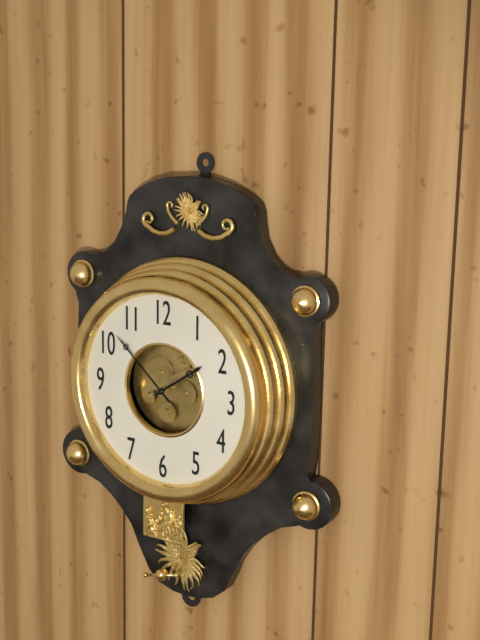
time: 1:52
